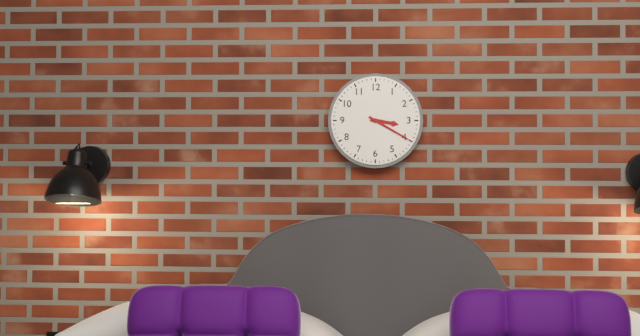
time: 3:20
